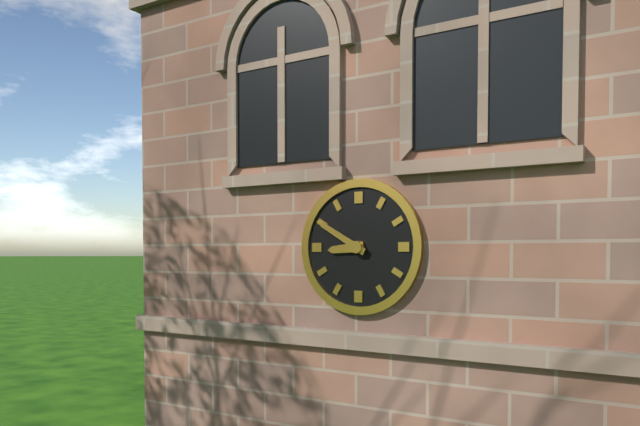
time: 8:50
